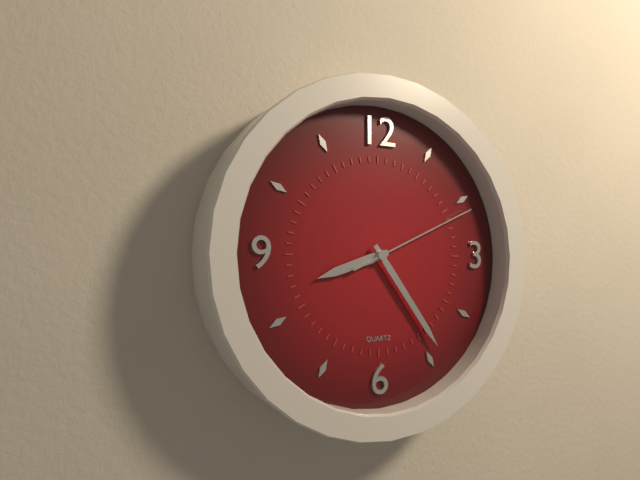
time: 8:24:11
